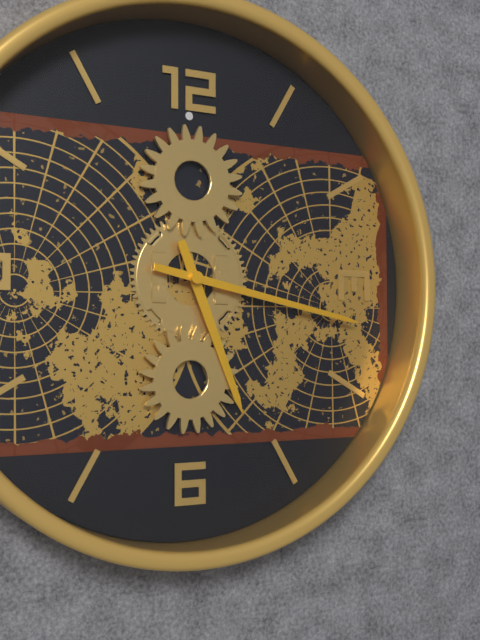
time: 5:17
